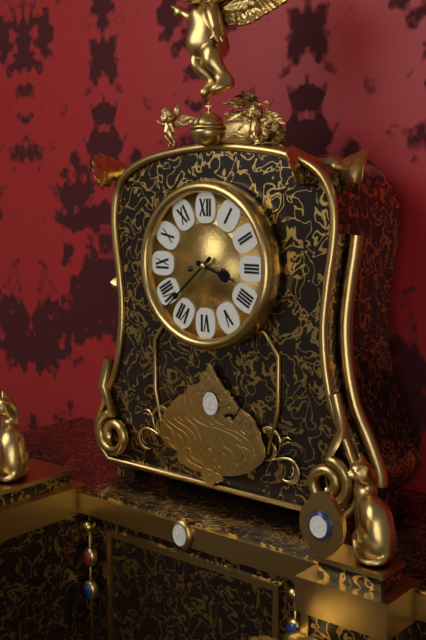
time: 3:38
